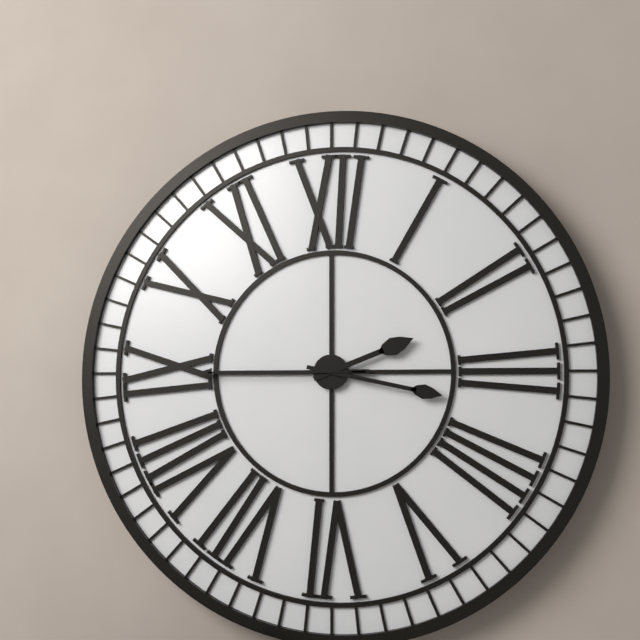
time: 2:17:45
